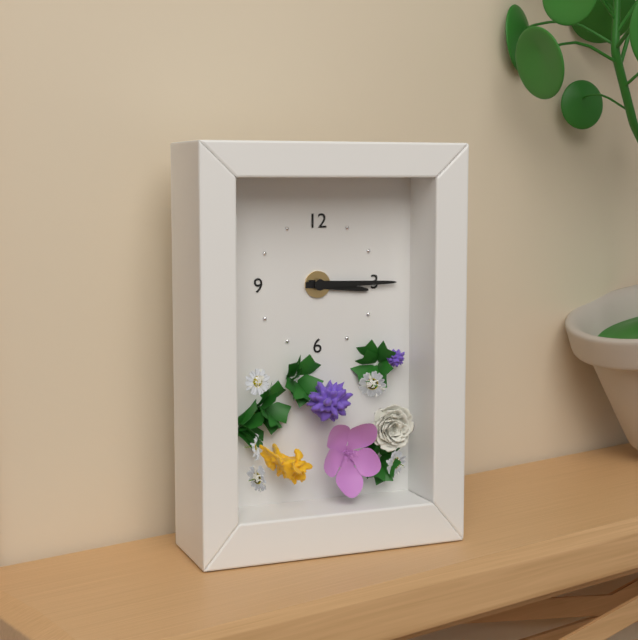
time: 3:15
